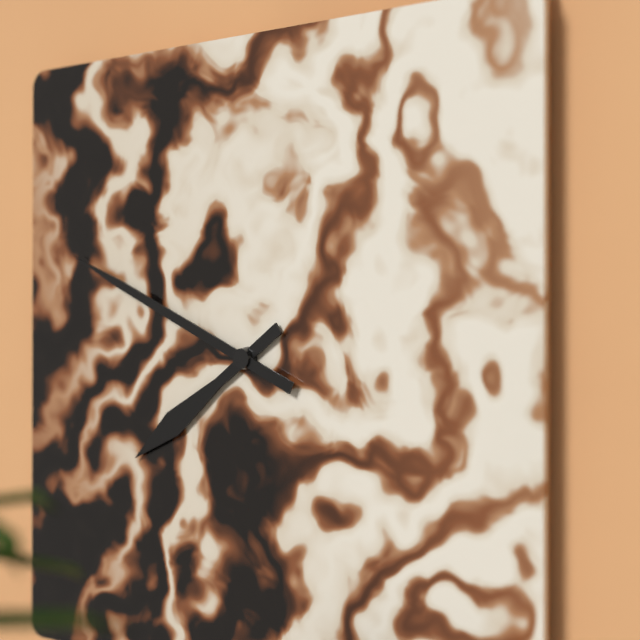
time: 7:49
